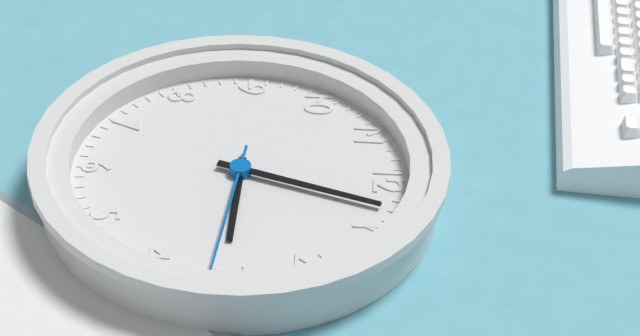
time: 3:03:16
